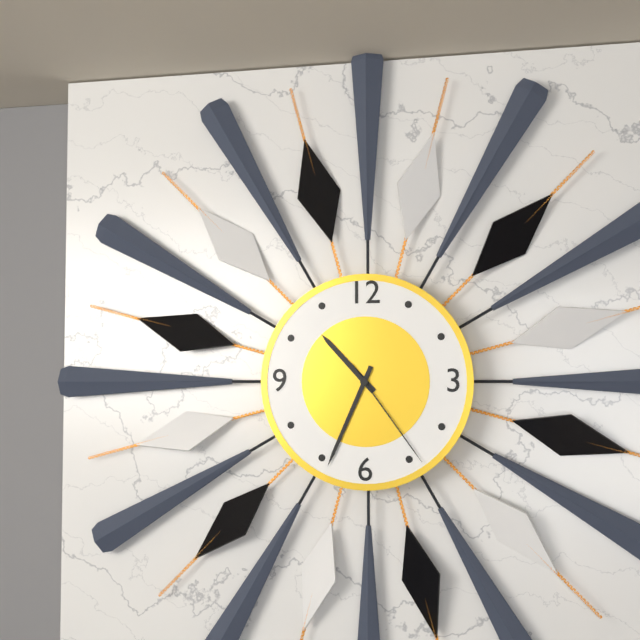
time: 10:34:24
